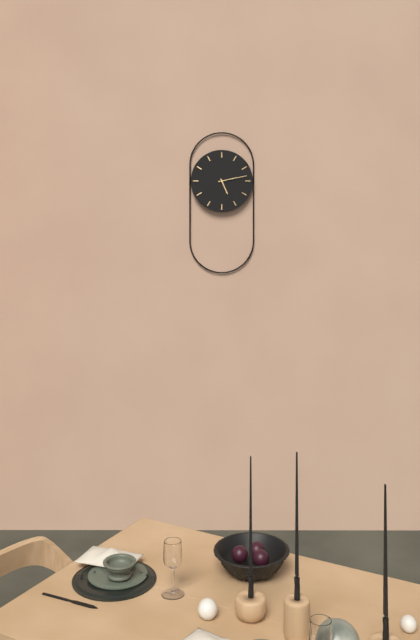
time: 5:13
